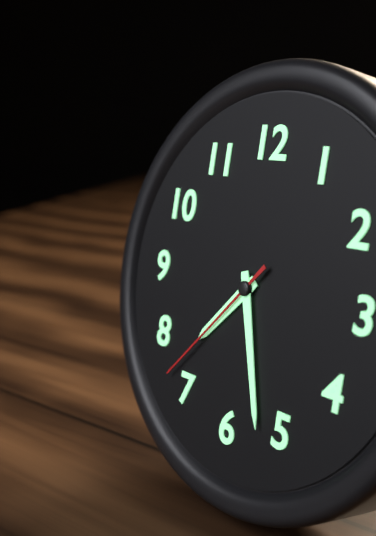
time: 7:27:37
